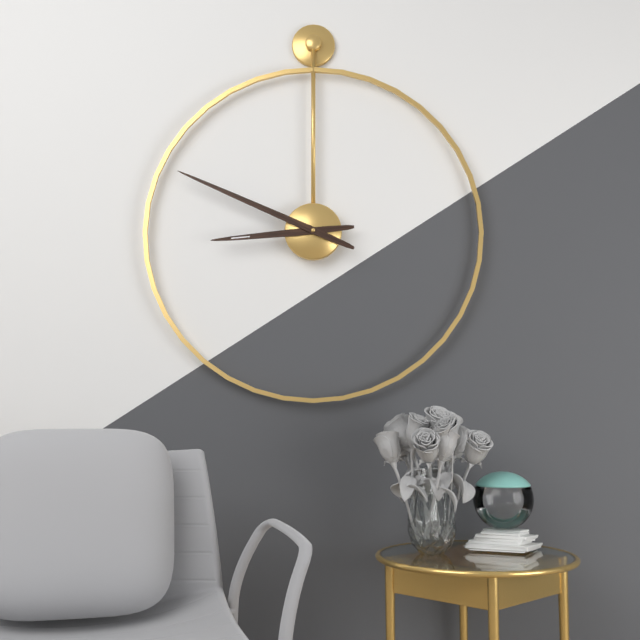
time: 8:49
